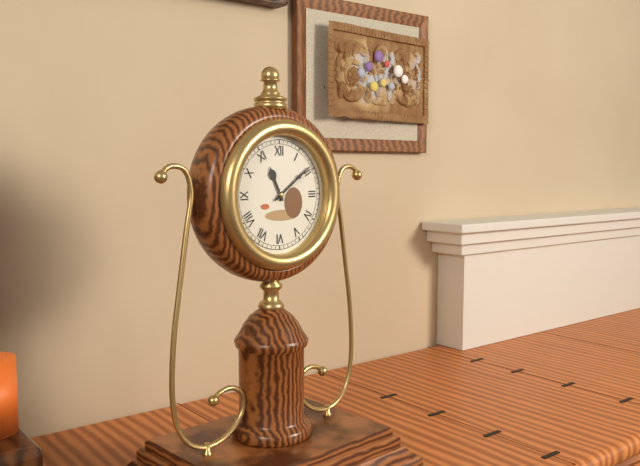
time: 11:09
